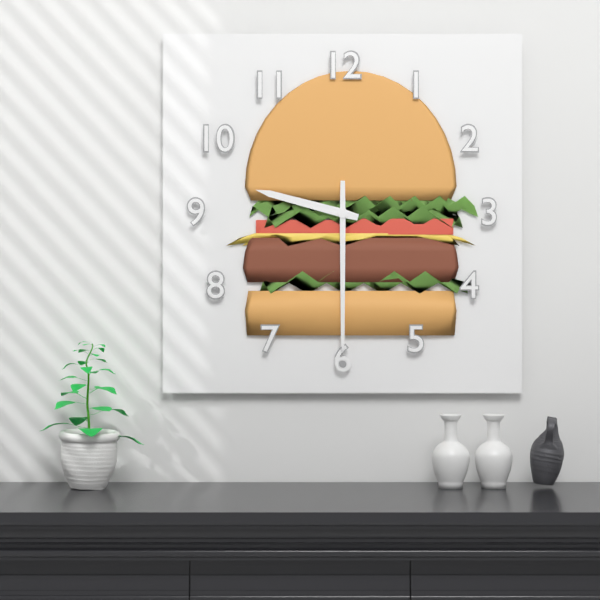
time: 9:30
